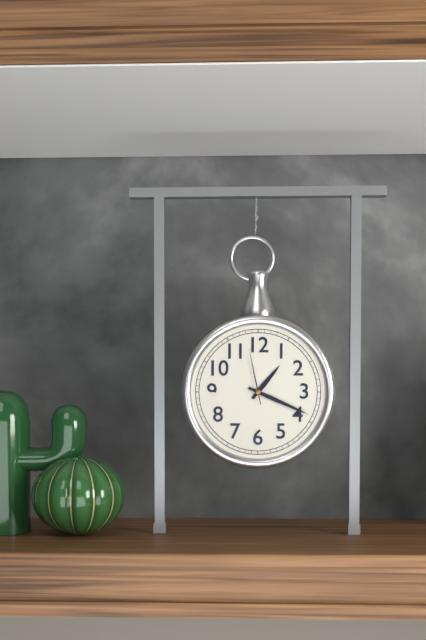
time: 1:19:58
